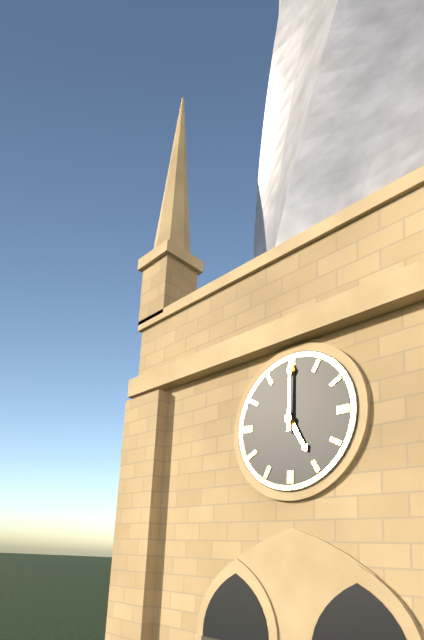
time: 5:00
